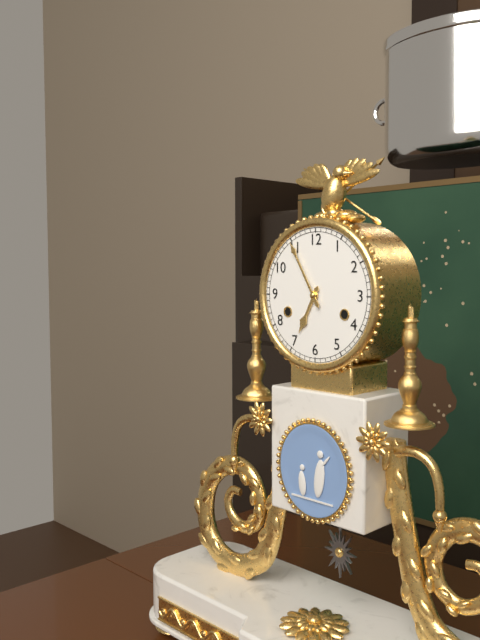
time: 6:55
